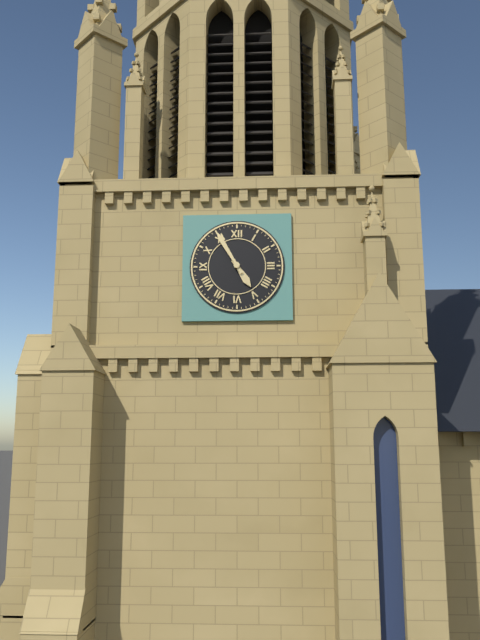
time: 4:55
